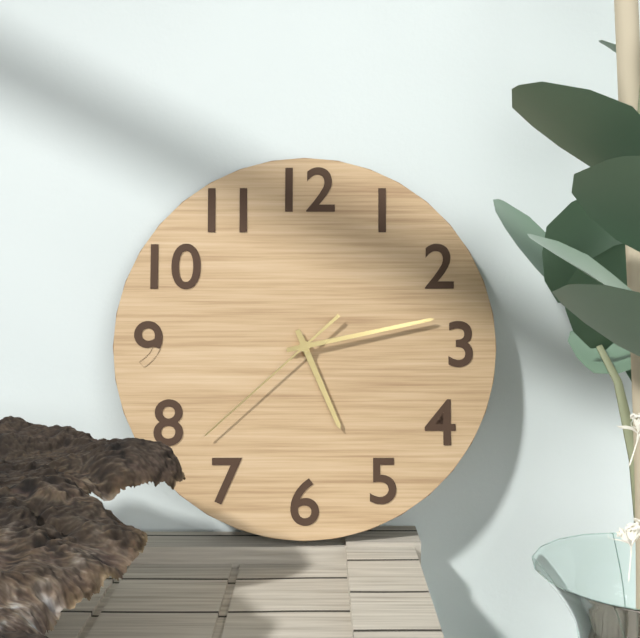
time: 5:13:38
